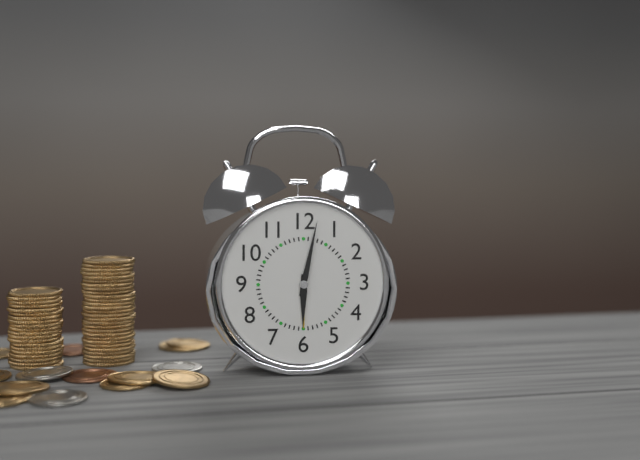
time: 6:02
